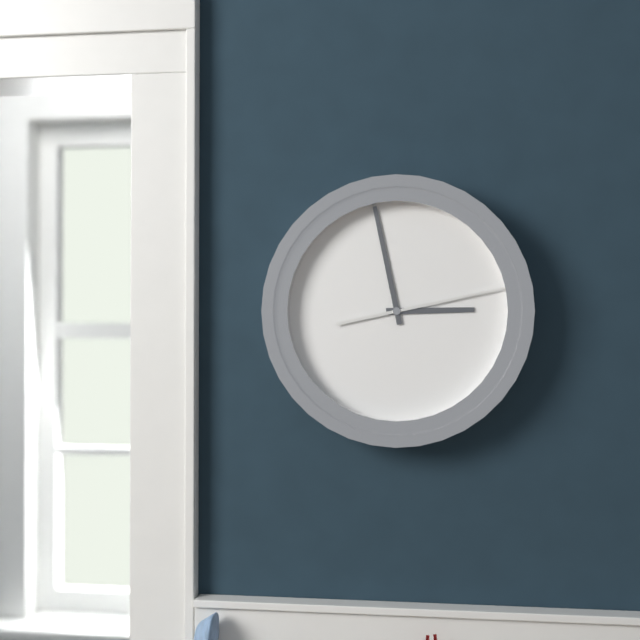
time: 2:58:13
